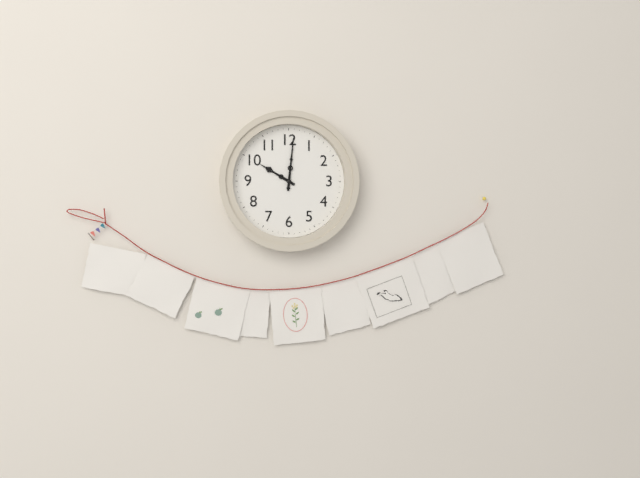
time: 10:01
